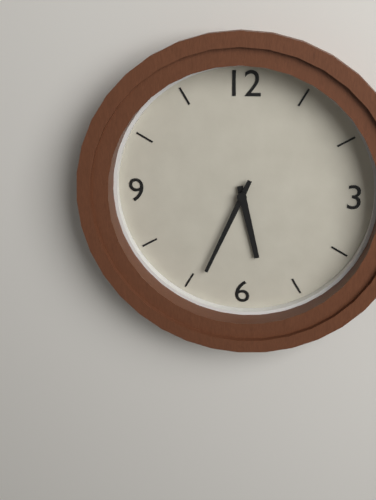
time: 5:34
